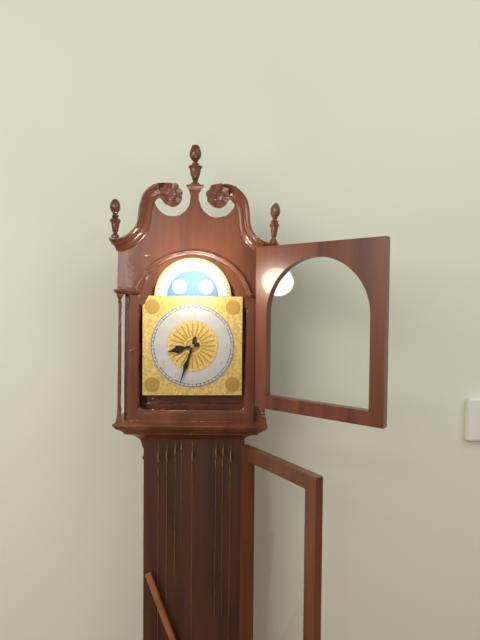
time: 8:33
